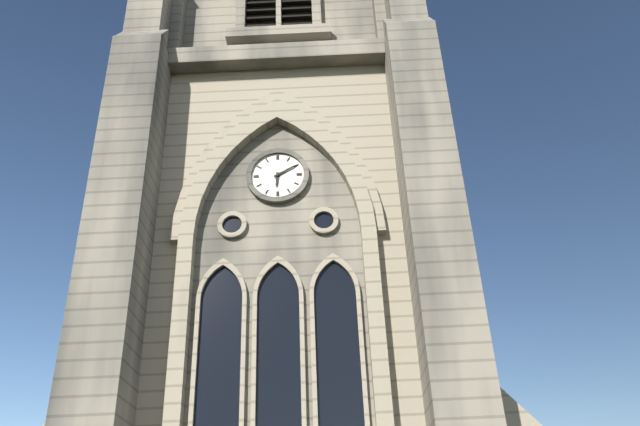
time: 6:10
